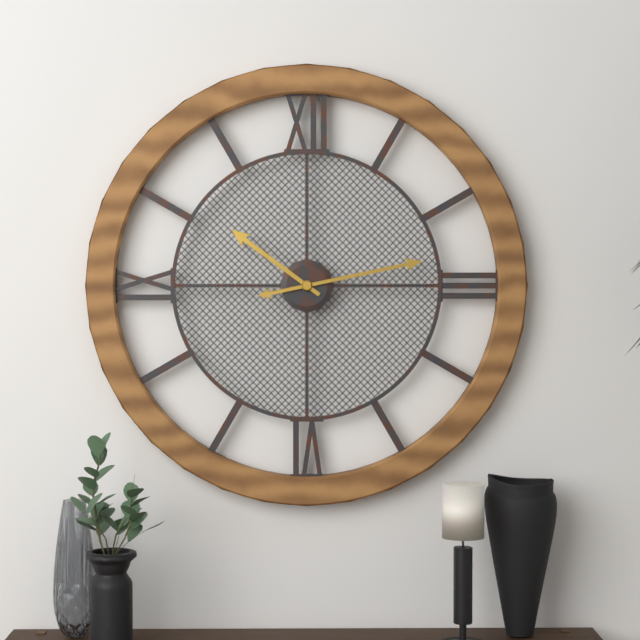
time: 10:13
